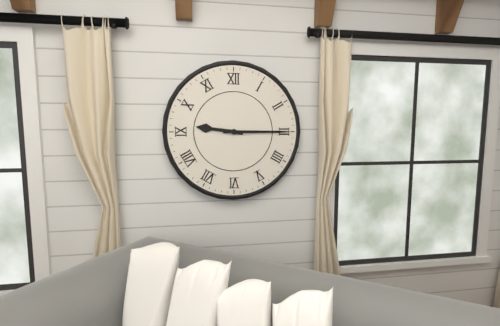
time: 9:15
